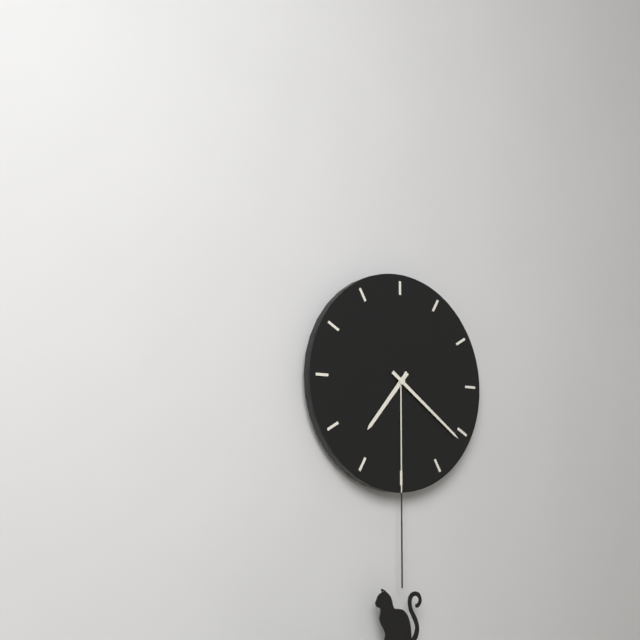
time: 7:21
